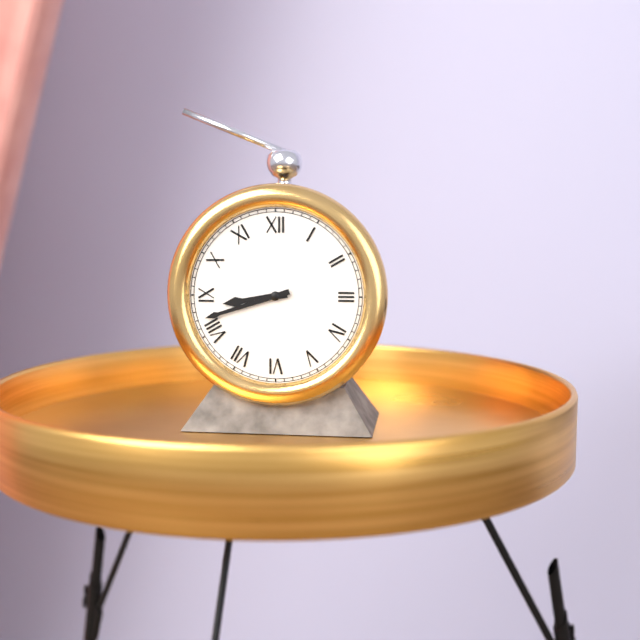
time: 8:42
